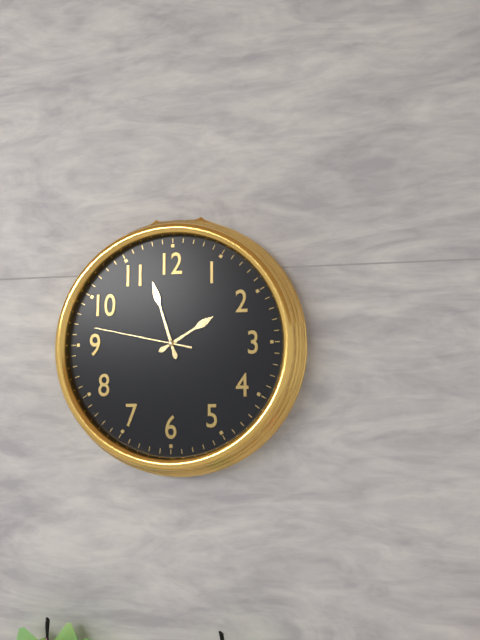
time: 1:57:47
